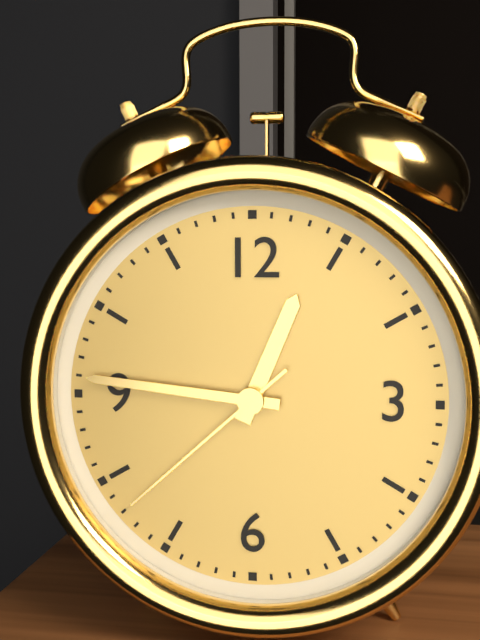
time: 12:46:38
